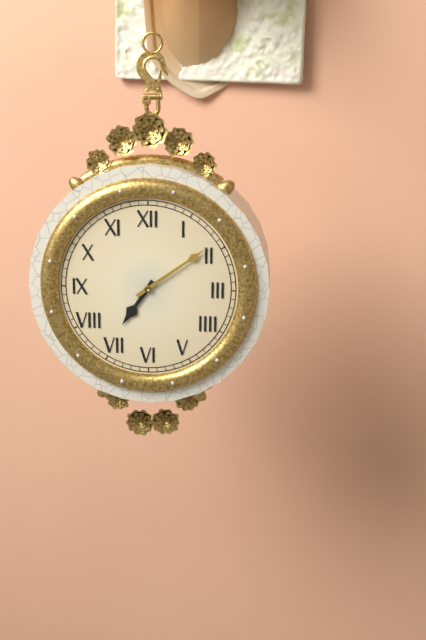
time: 7:09
